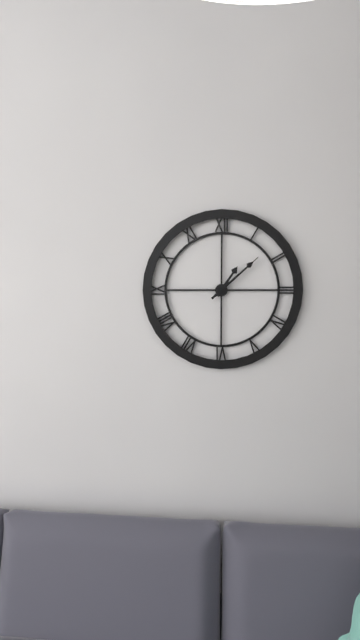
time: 1:08:08
